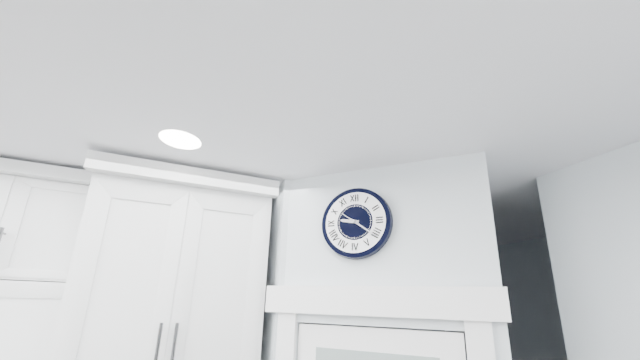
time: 9:21
